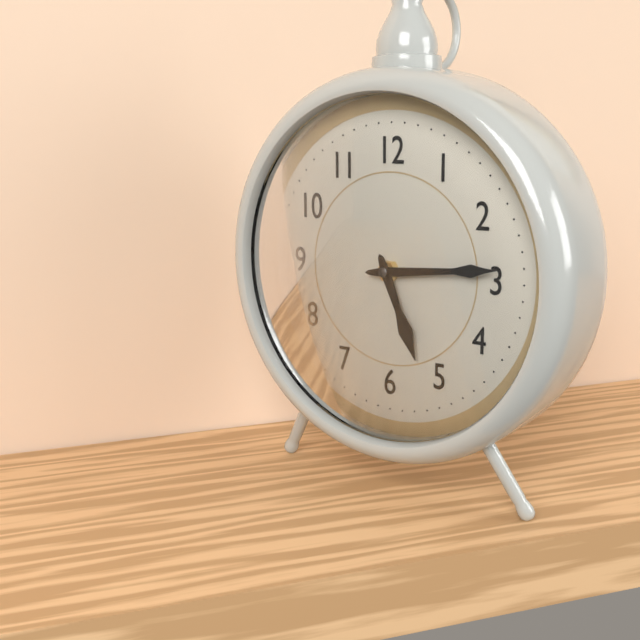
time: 5:14
